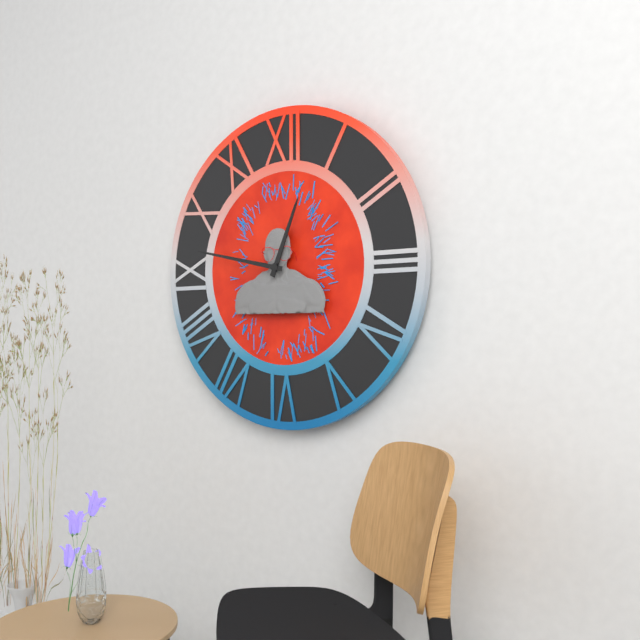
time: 12:47
